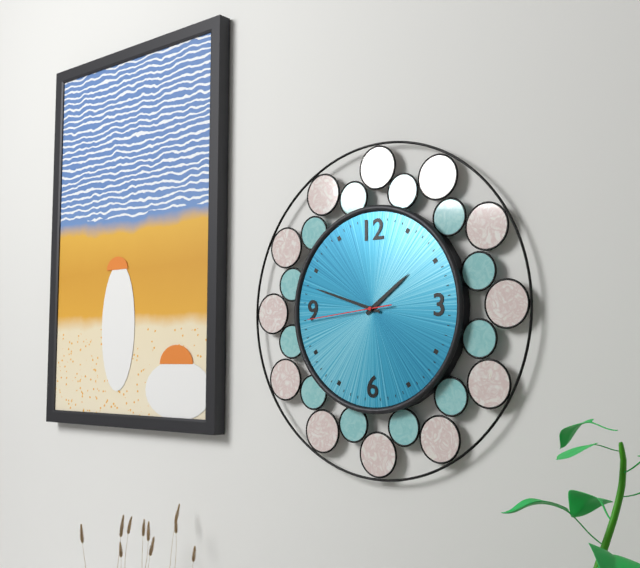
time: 1:48:44
